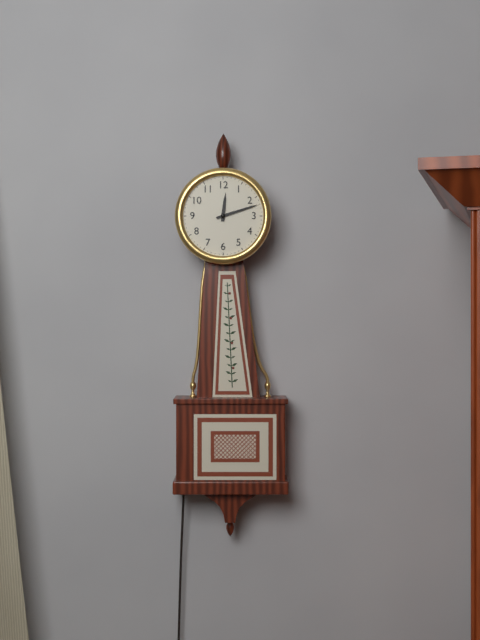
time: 12:12
